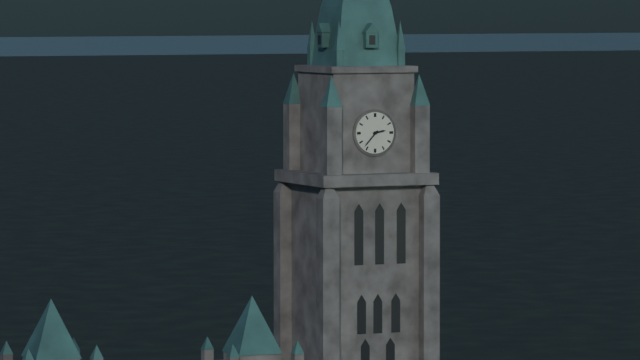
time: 2:37
